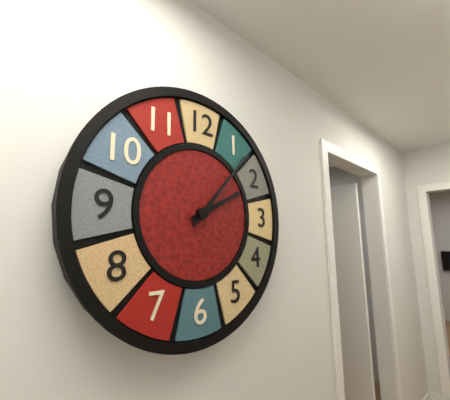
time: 2:07
